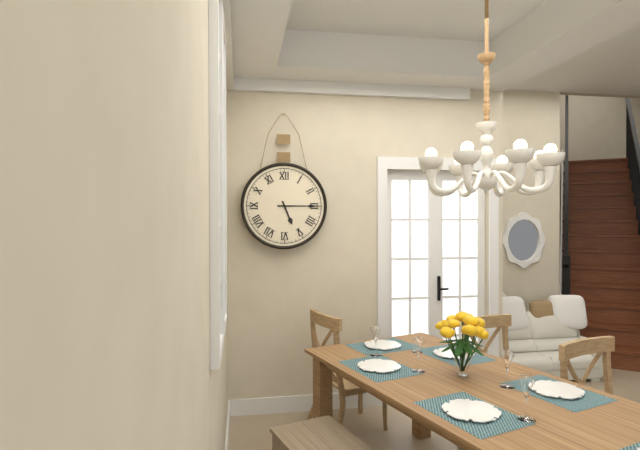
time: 5:15
